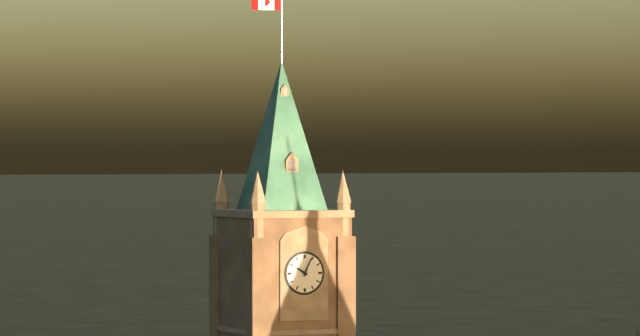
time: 10:04
